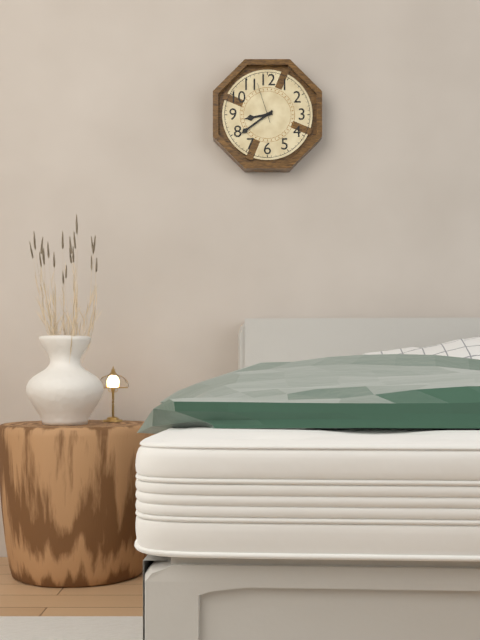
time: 8:39
